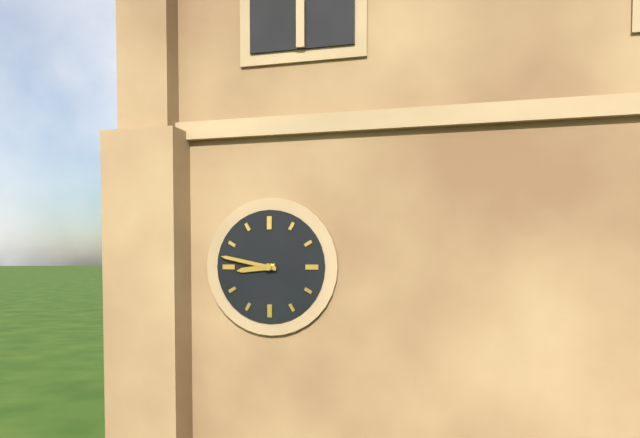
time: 8:47
